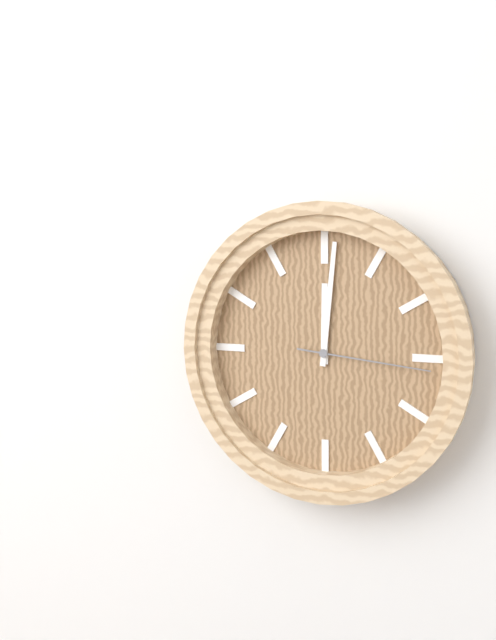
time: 12:01:16
